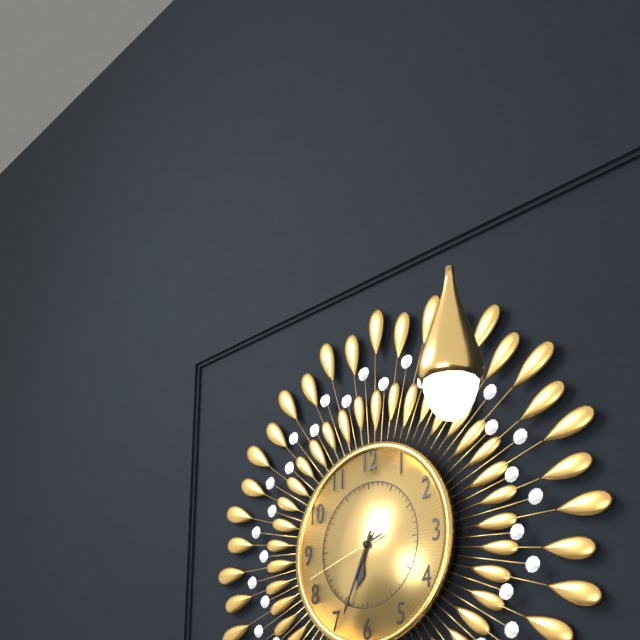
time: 6:34:42
